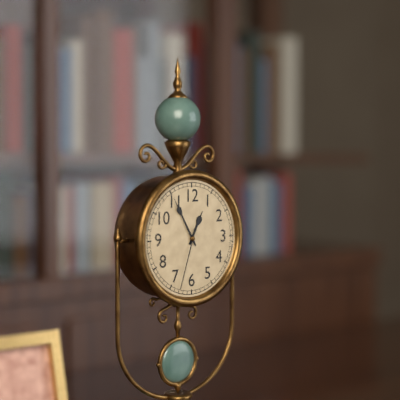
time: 12:55:33
